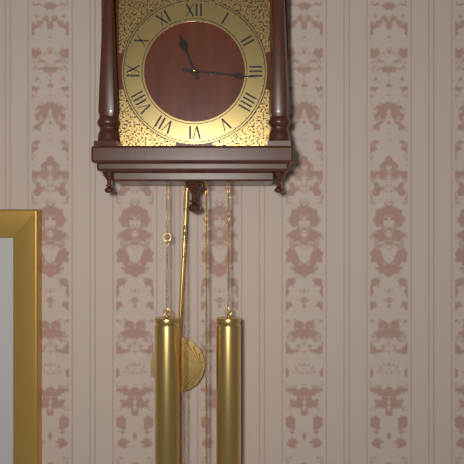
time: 11:16
